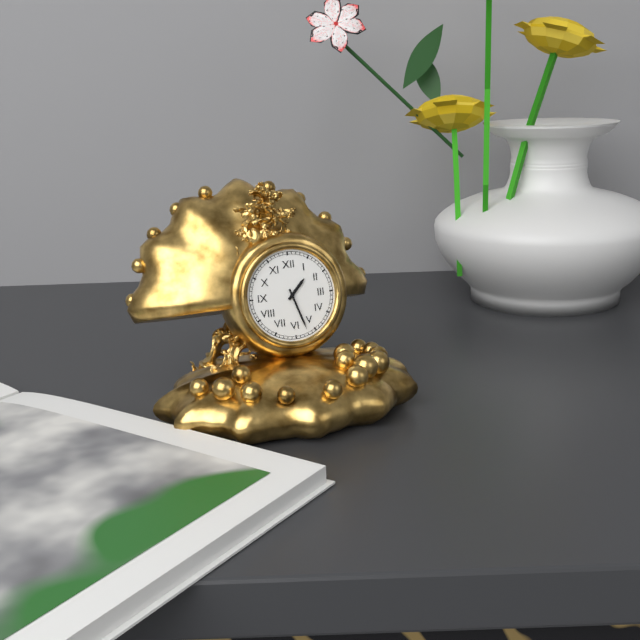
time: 1:27
